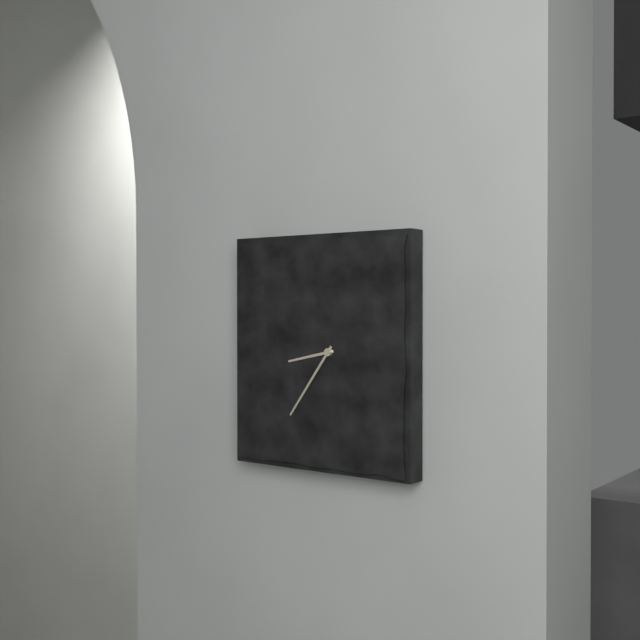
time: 8:36
